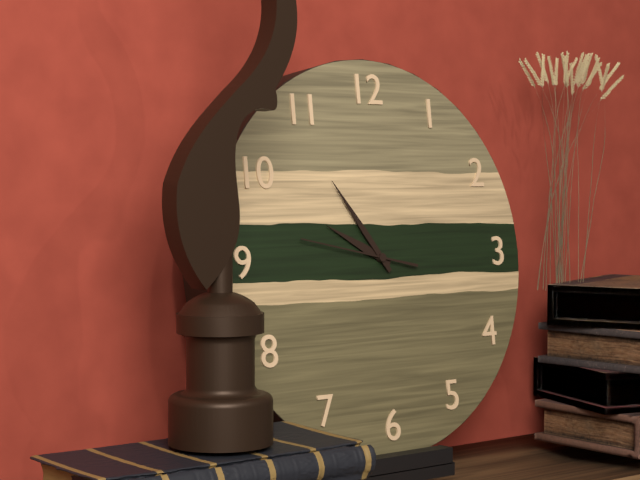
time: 9:54:47
